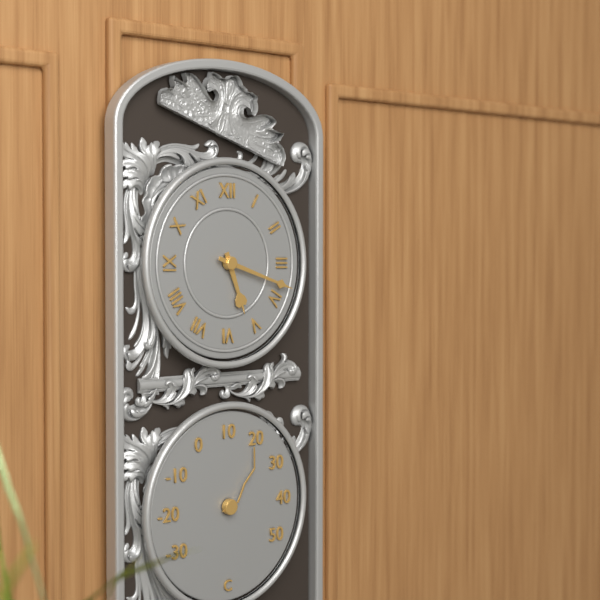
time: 5:18
